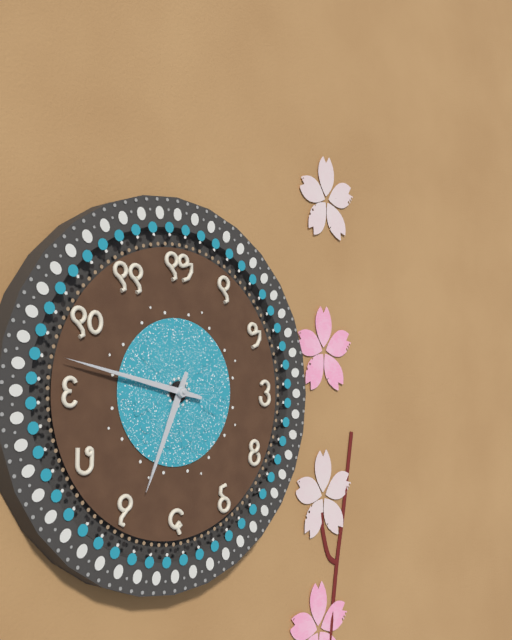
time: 6:47
